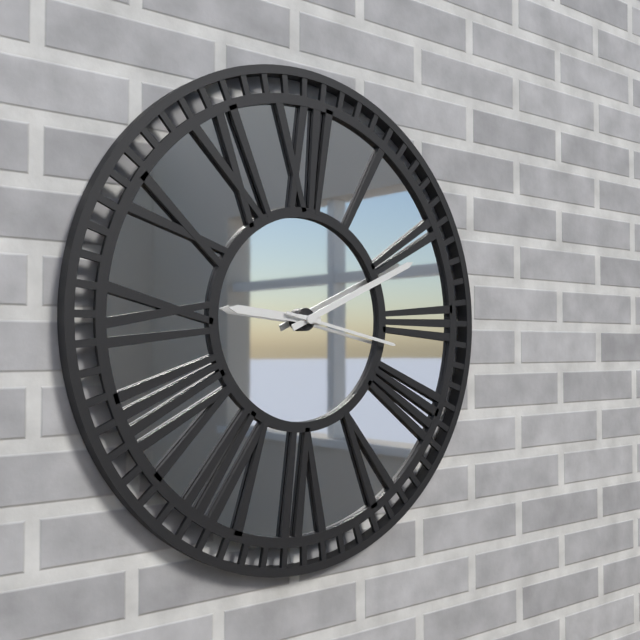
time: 9:11:17
